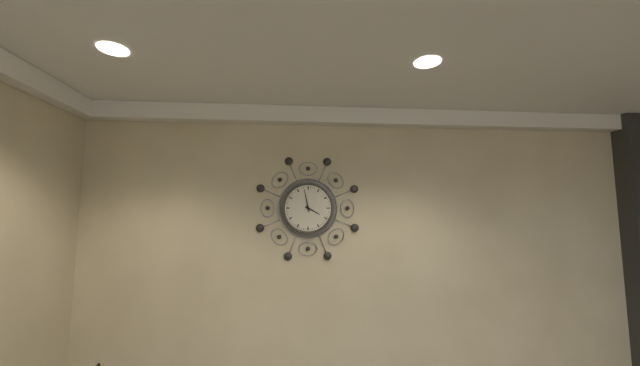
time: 3:58
